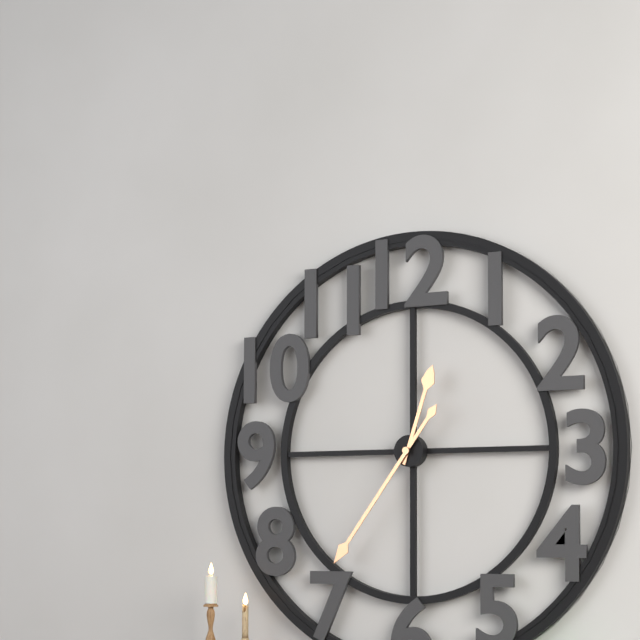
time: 12:36
